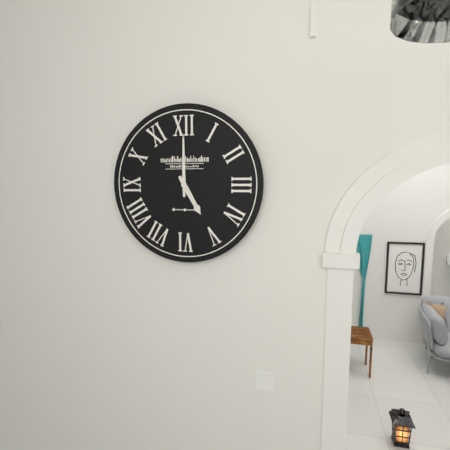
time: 5:00
